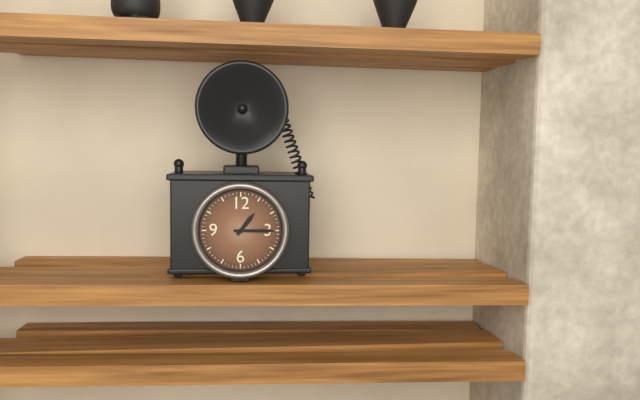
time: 1:15
